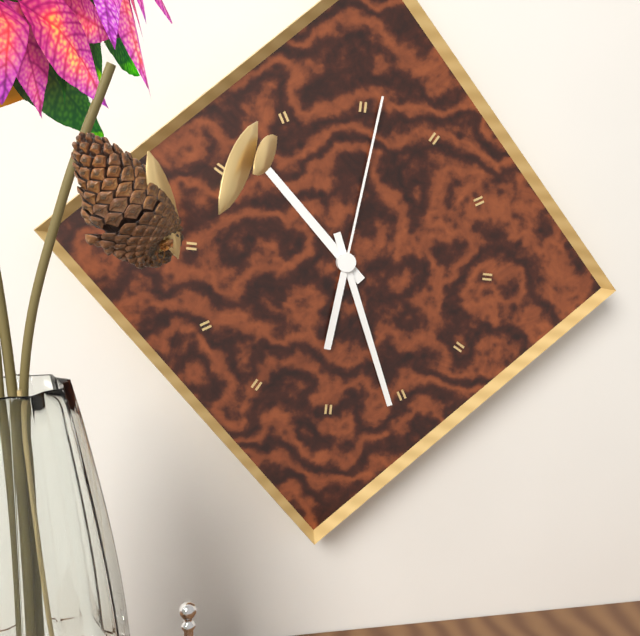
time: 10:26:01
